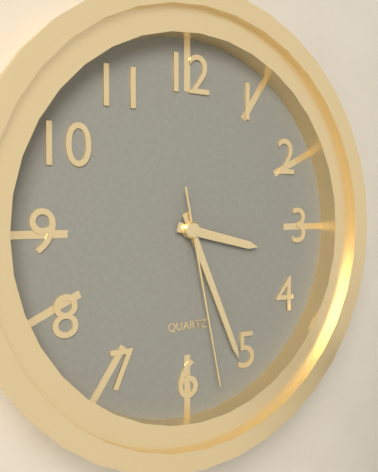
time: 3:26:28
